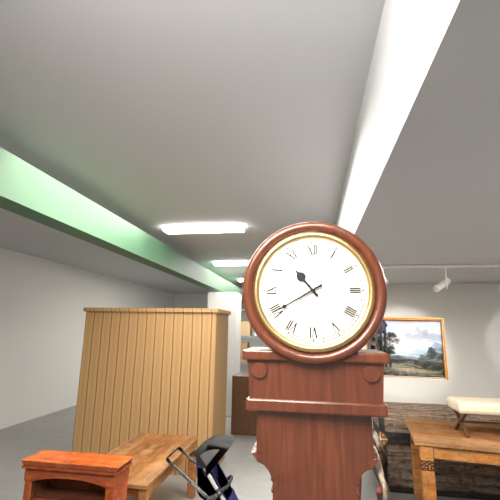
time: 10:40
